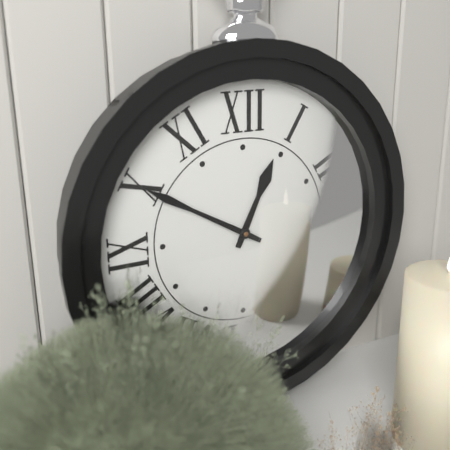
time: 12:50
